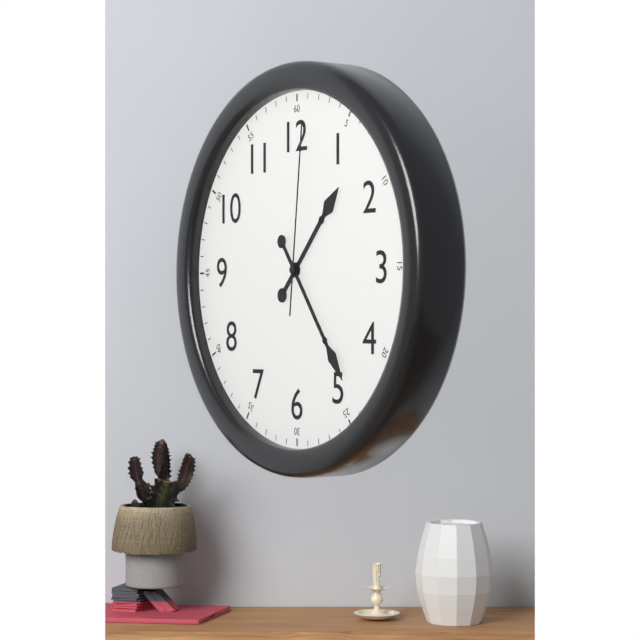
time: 1:24:01
